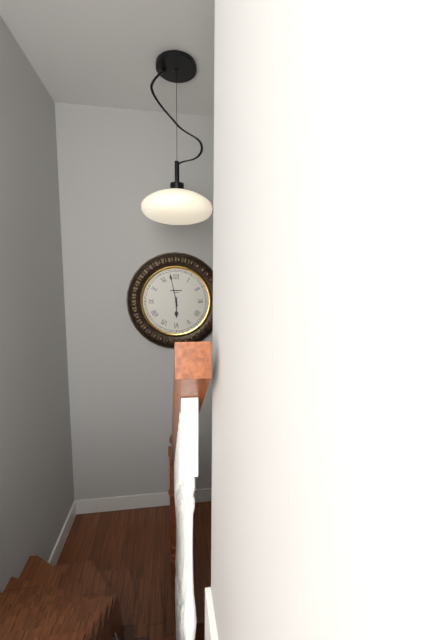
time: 5:58
